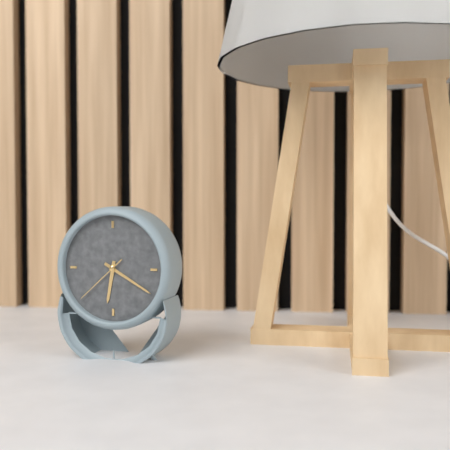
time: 6:20:38
